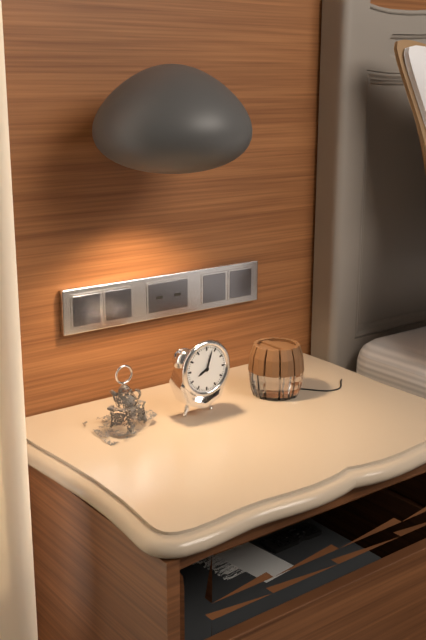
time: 8:03
